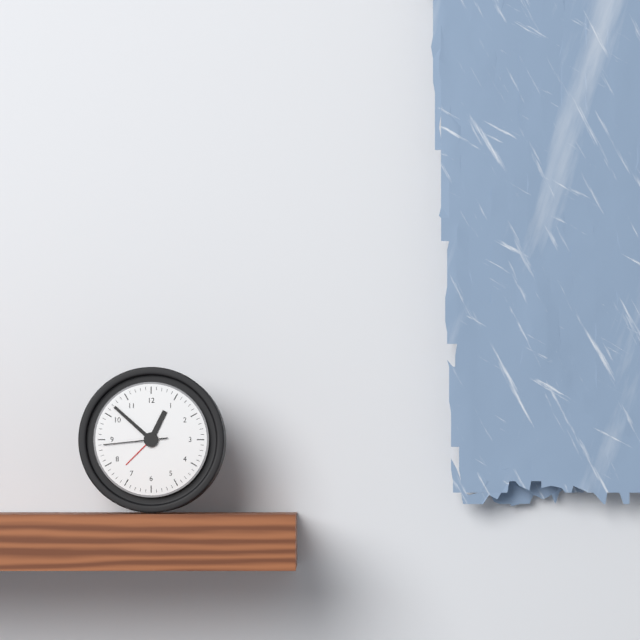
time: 12:52:44
